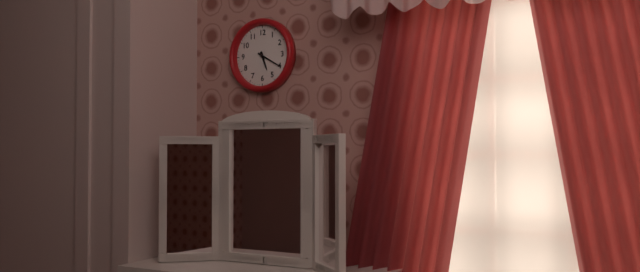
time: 5:20
